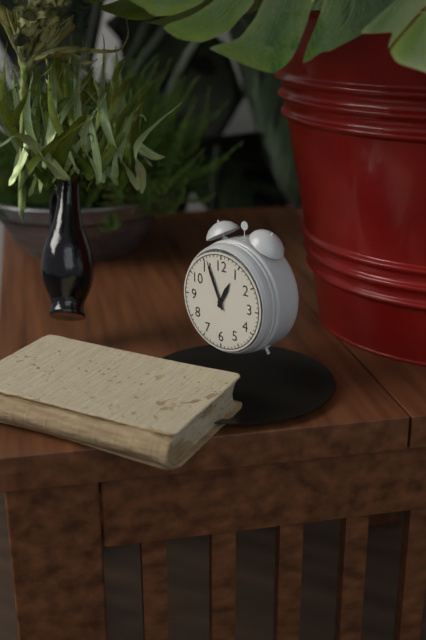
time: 12:56
